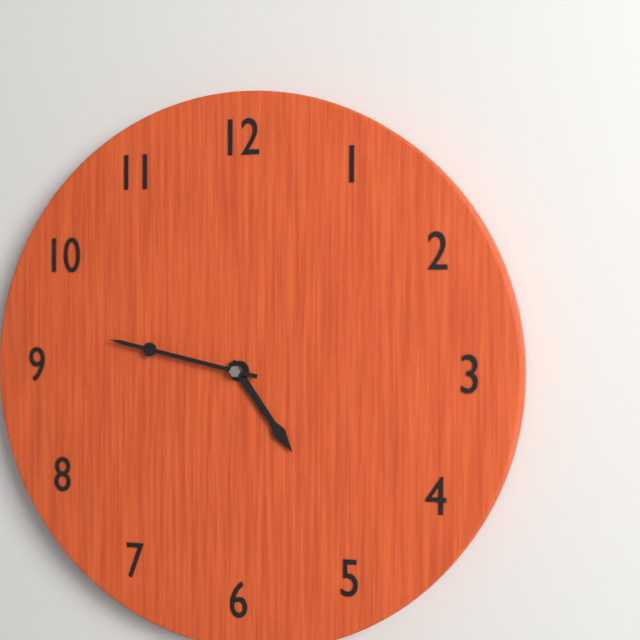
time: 4:47
